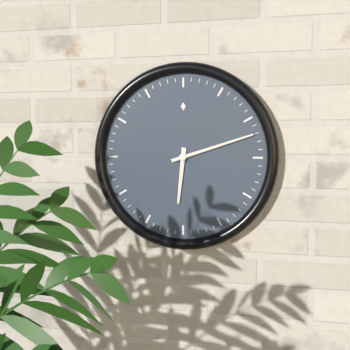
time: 6:12
